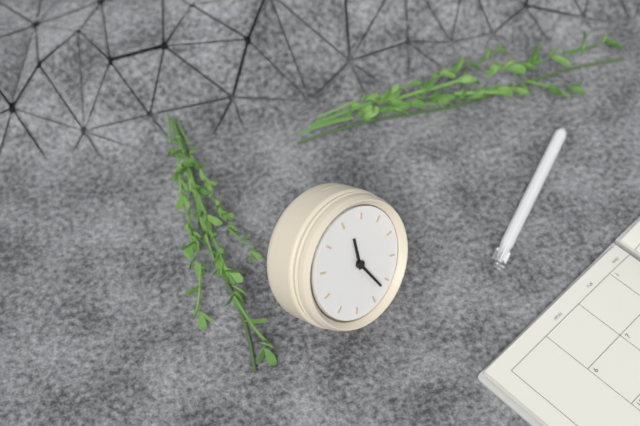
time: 11:22
